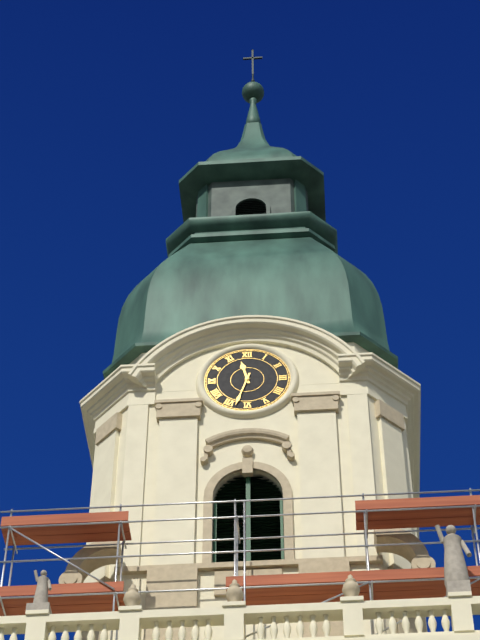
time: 11:33
